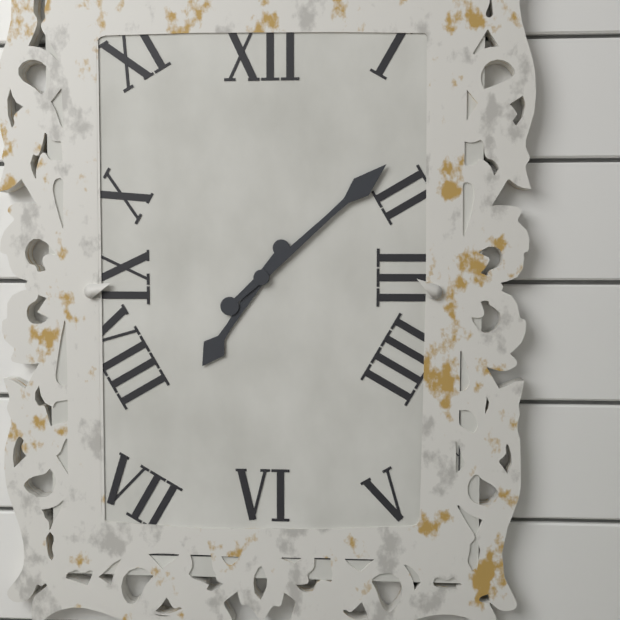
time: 7:08
